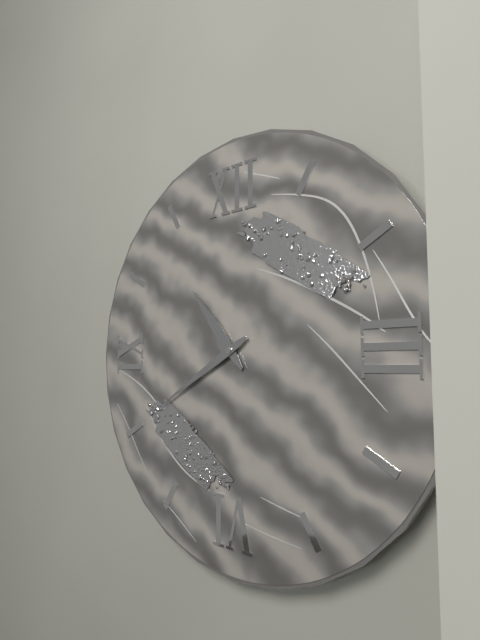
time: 10:40
